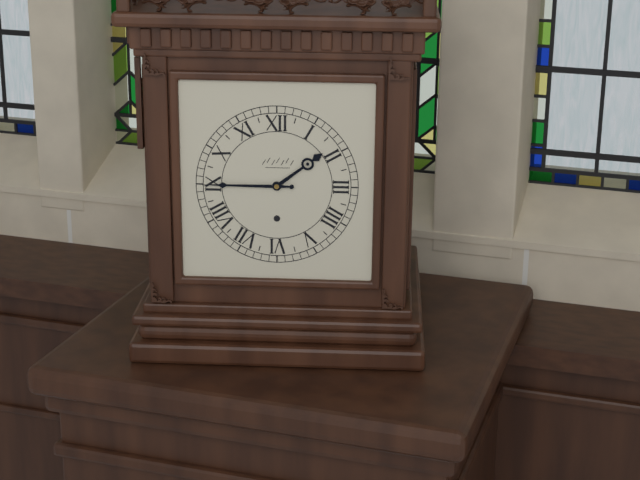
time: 1:45
